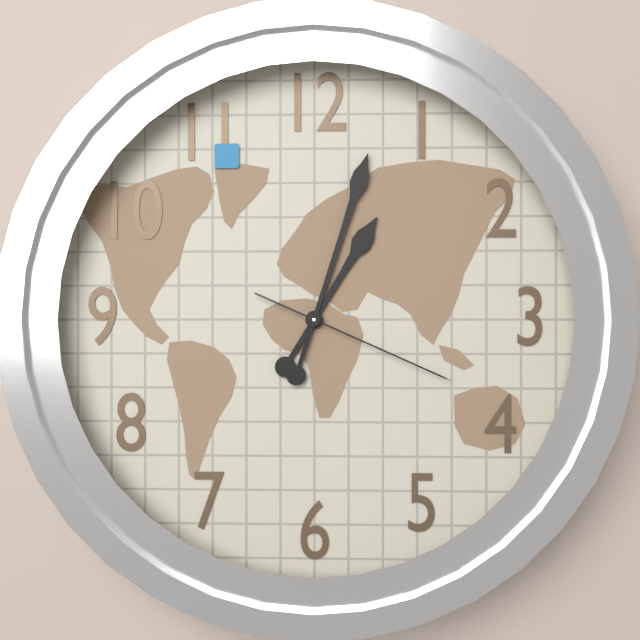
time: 1:03:19
